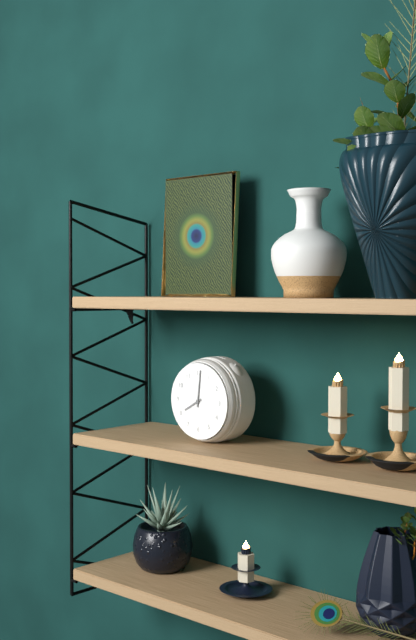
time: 8:01
